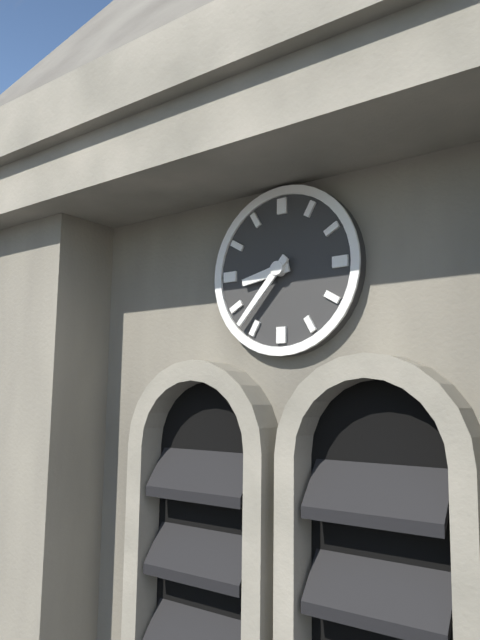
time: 8:37
